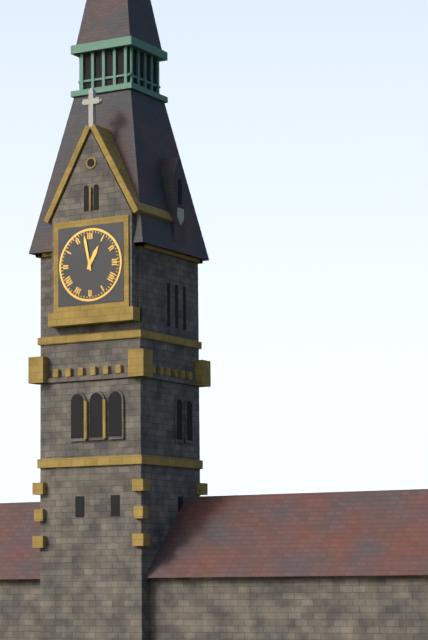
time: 12:58
